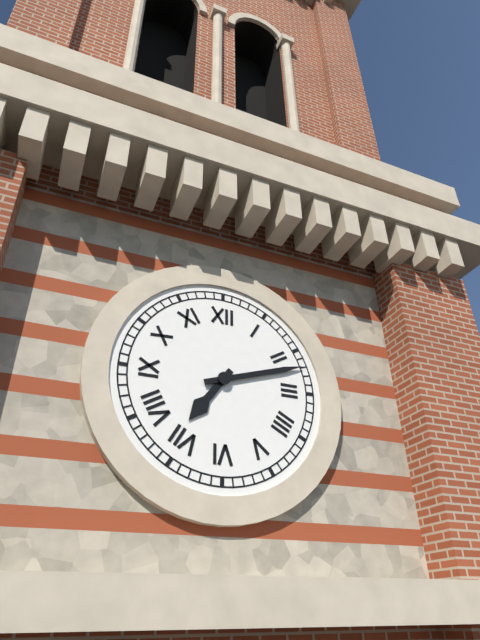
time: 7:12
